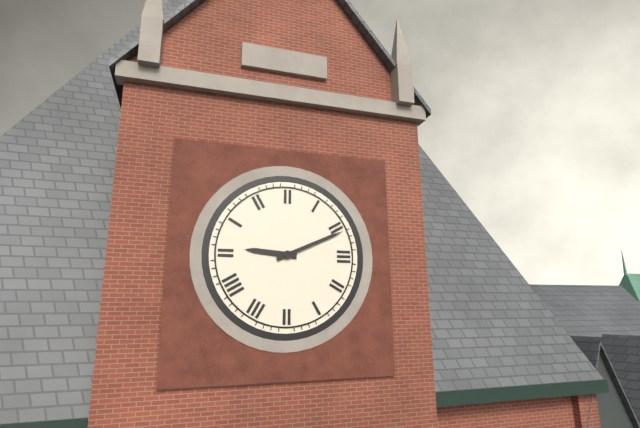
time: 9:11
